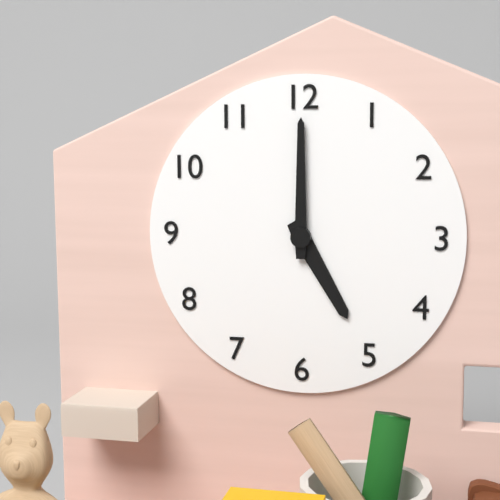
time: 5:00
